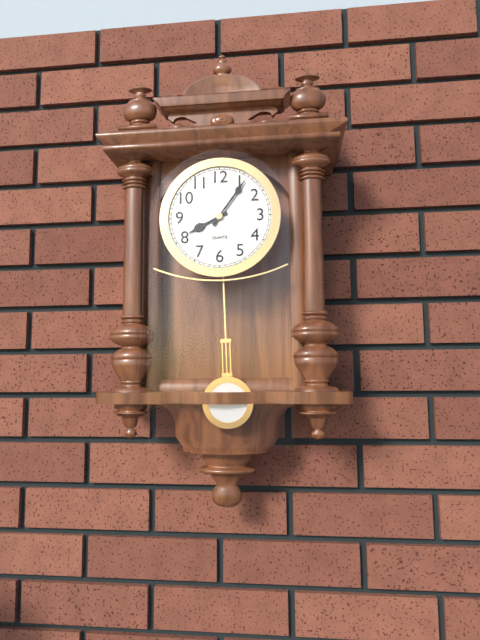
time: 8:06
